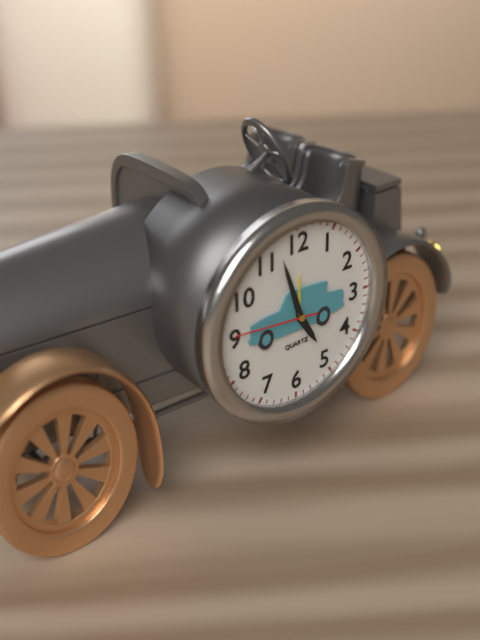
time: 4:57:46
